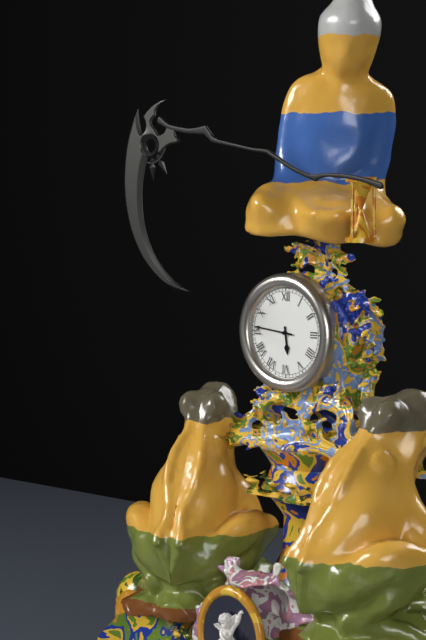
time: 5:46
